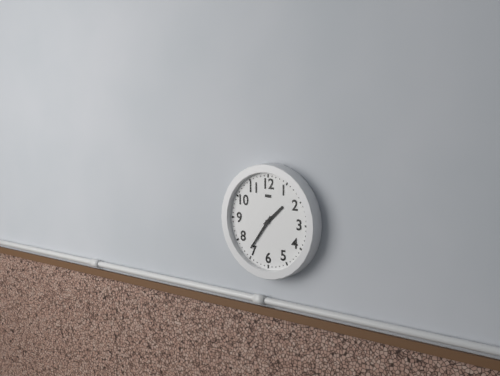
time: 1:36
